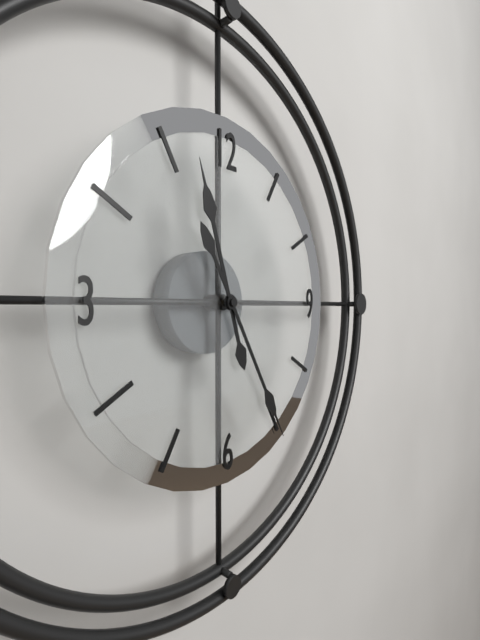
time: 11:25
